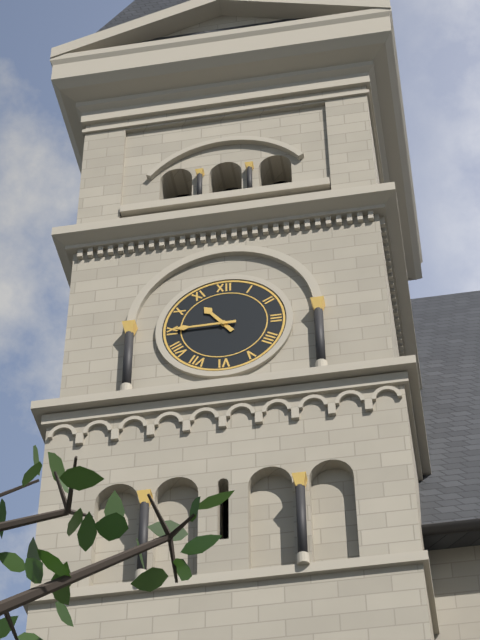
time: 10:45
